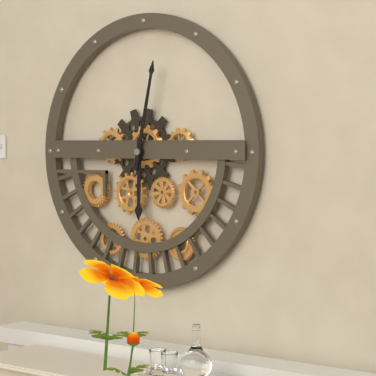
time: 6:02
